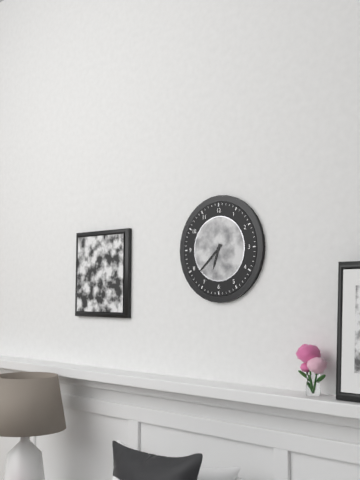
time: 6:38
